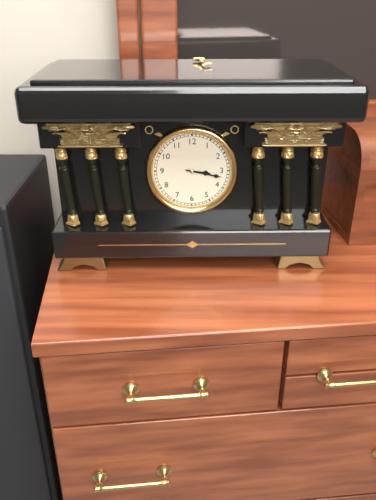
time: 3:17
